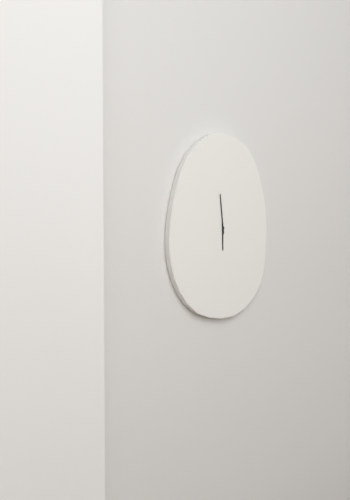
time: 5:59
